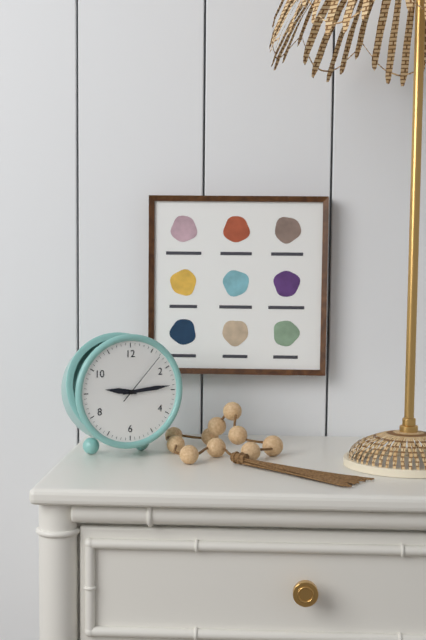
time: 9:14:07
